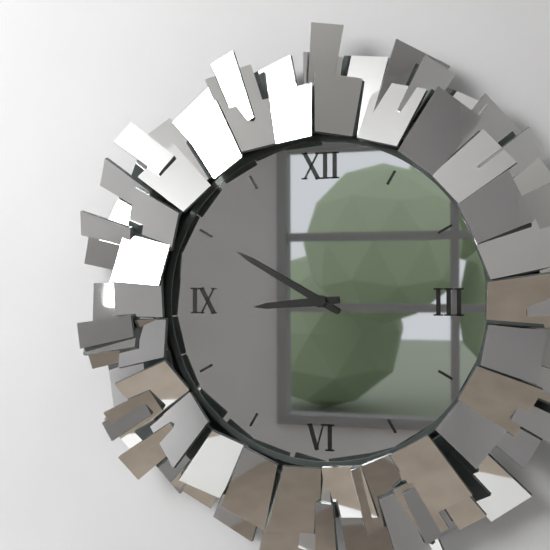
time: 8:50
